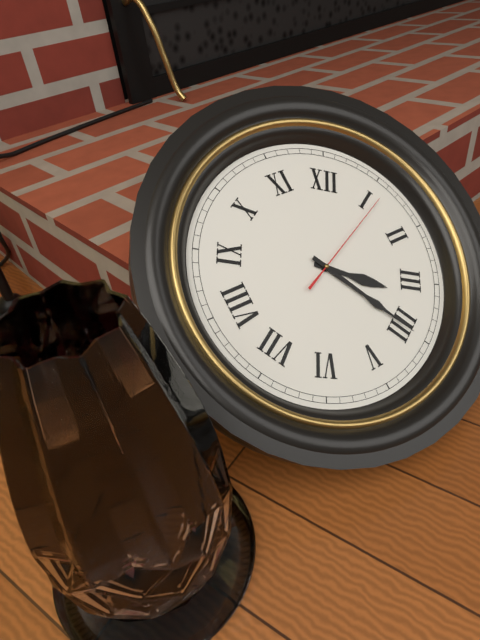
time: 3:20:06
